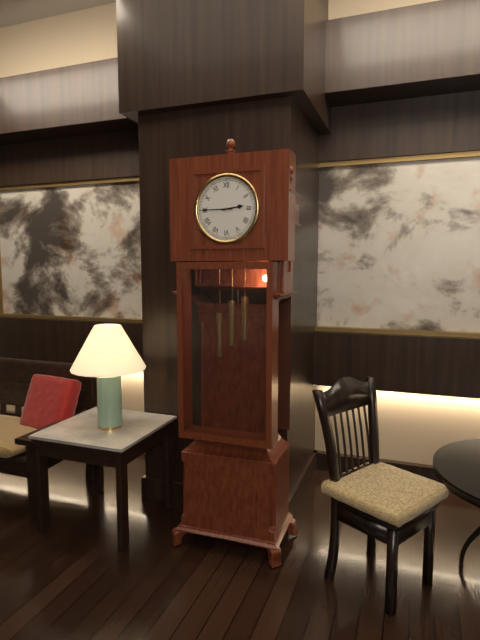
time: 2:45
